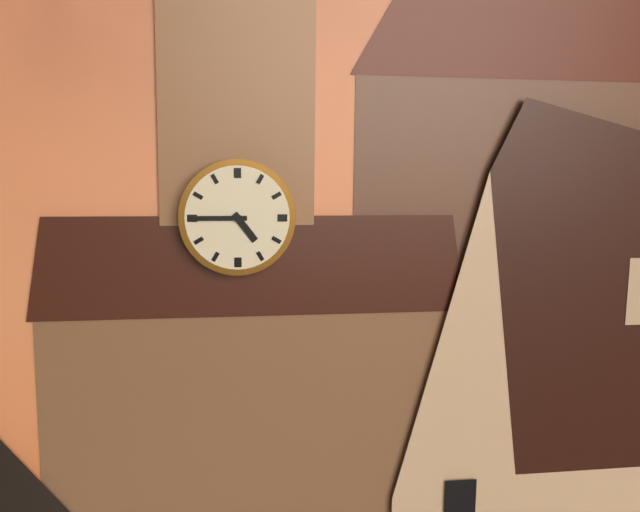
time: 4:45
